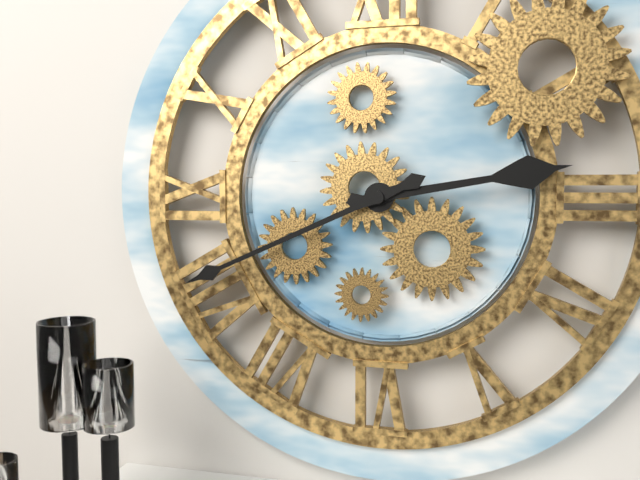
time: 2:41
